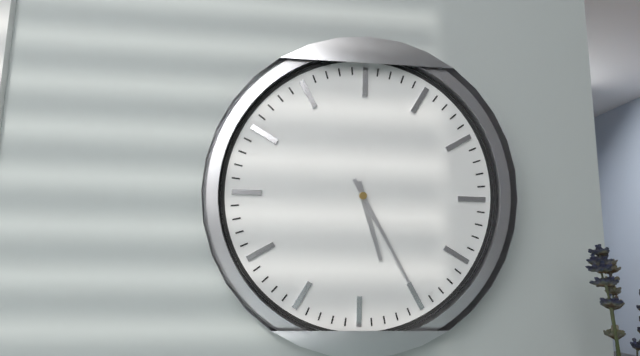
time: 5:25
